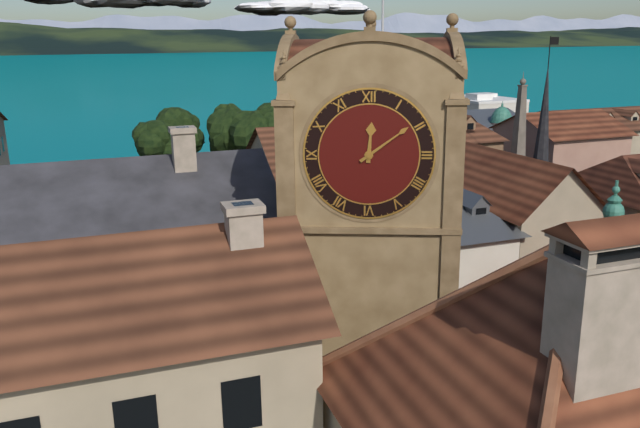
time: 12:09
